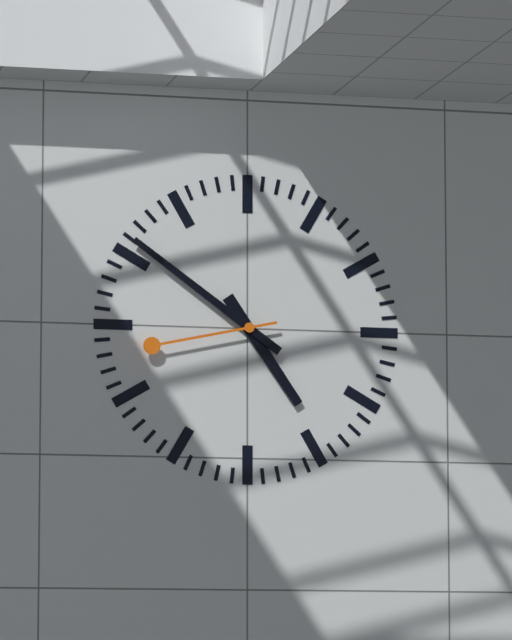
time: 4:51:43
